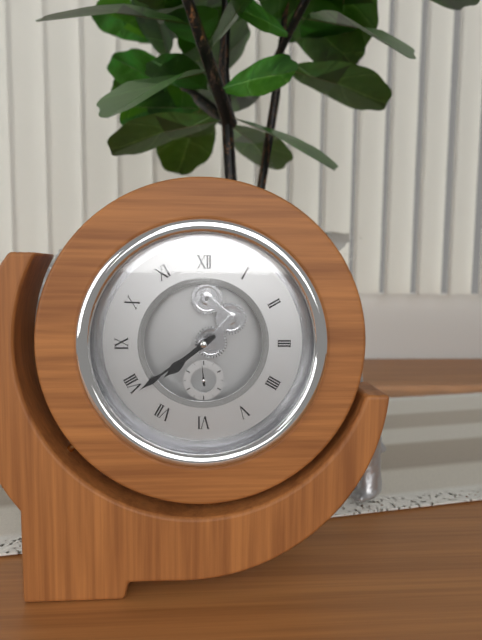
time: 7:39
